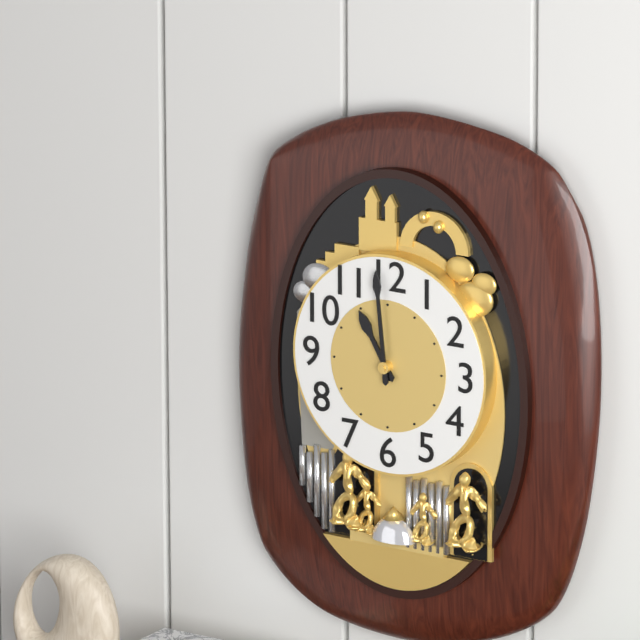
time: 10:59
